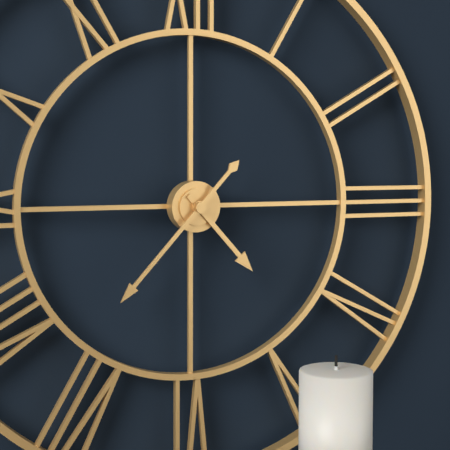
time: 4:37
